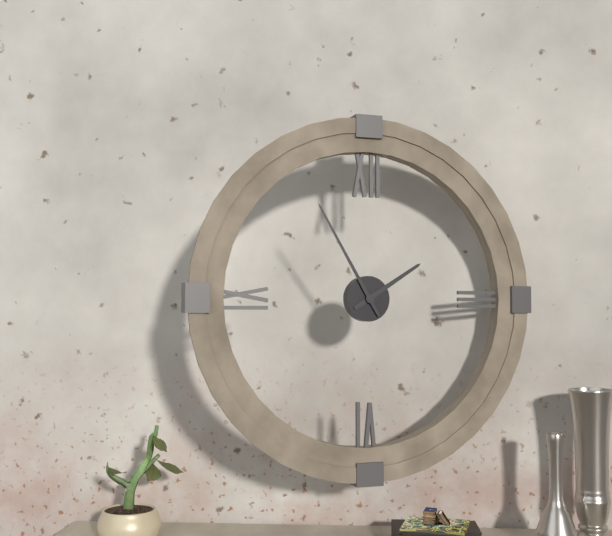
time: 1:55
